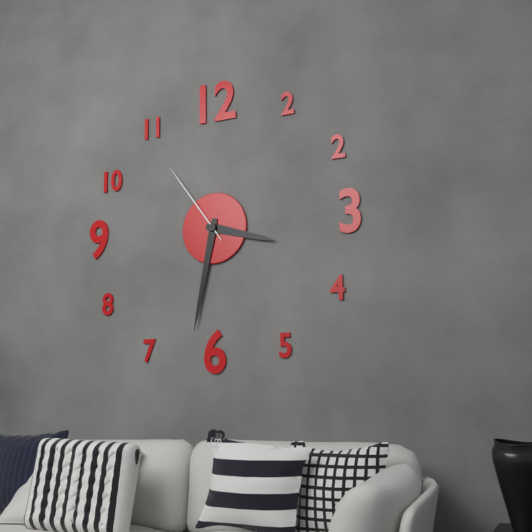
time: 3:32:54
